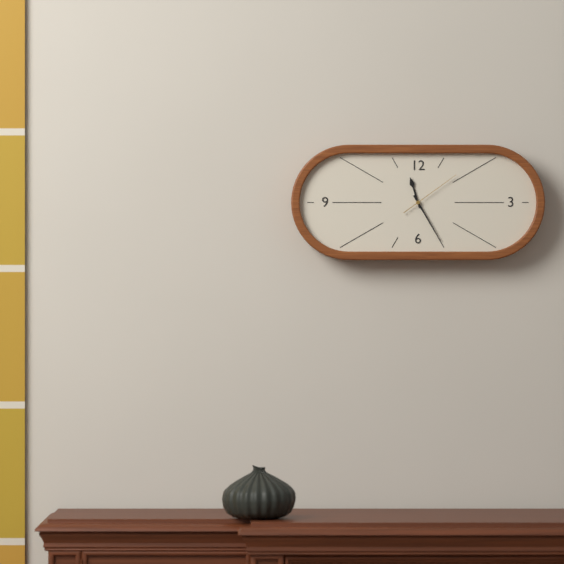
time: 11:25:09
